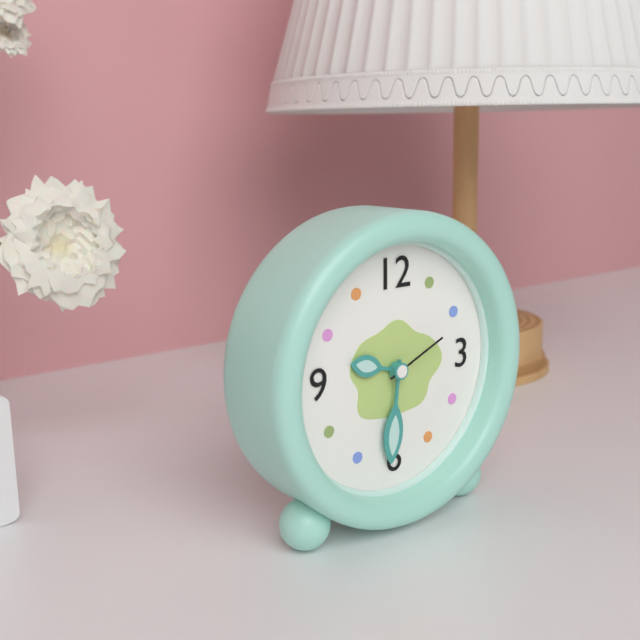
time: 9:31:11
